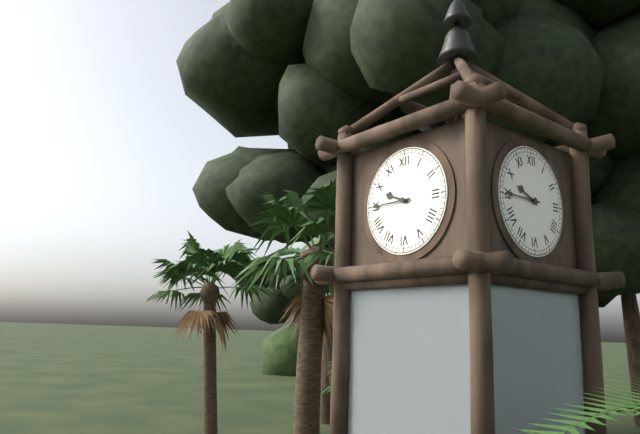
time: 9:45
